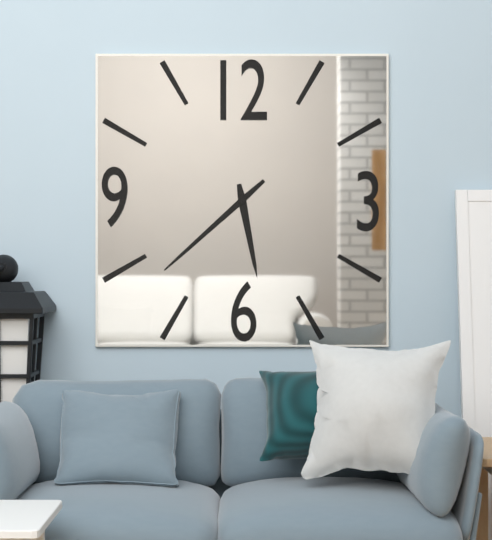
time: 5:38
